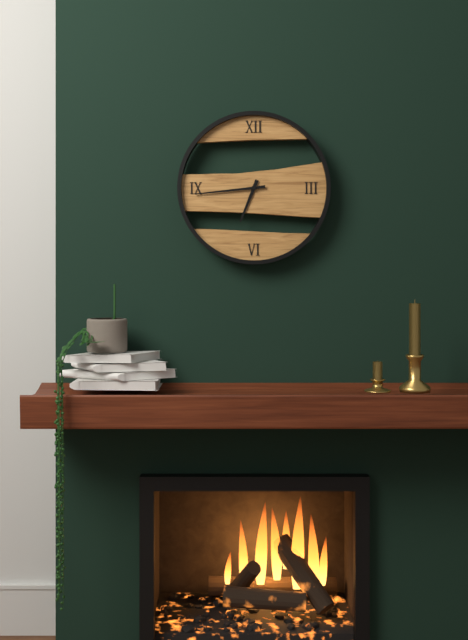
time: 6:44
